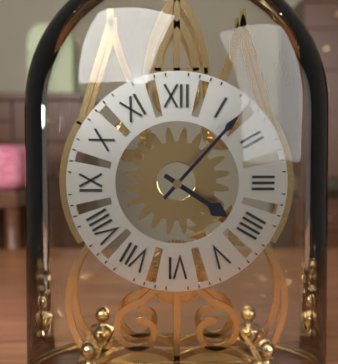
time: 4:07
